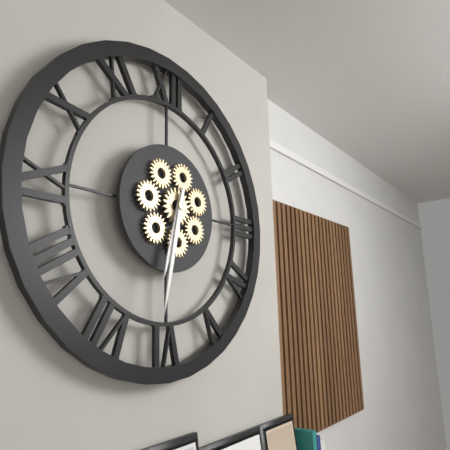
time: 6:32
